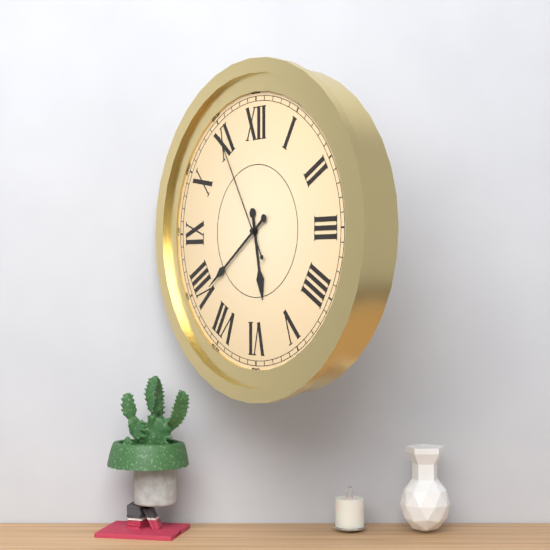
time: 5:39:55
